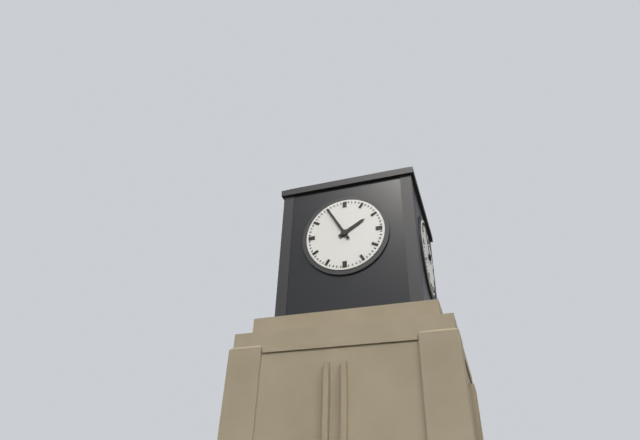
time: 1:55
